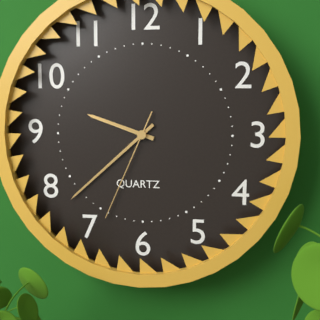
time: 9:38:34
